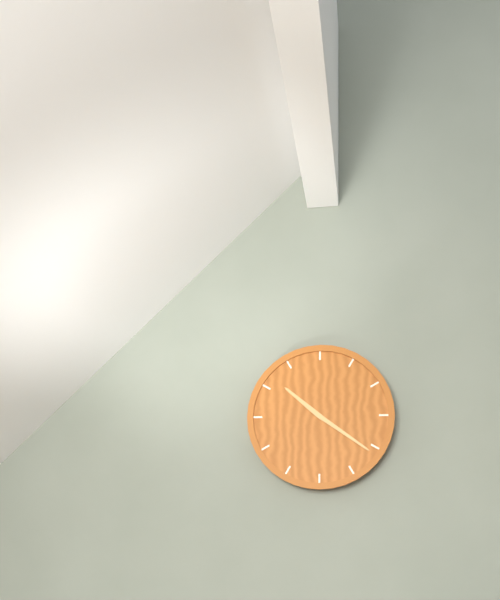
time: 10:21
